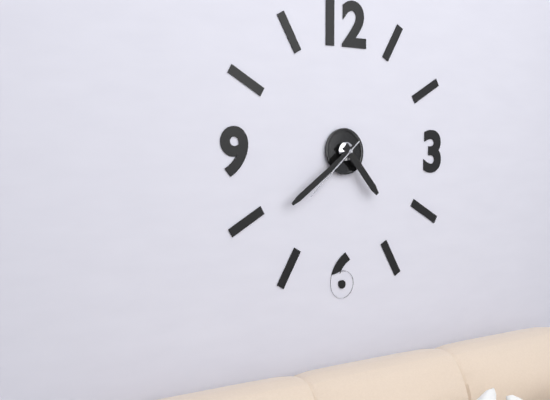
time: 4:39:38
